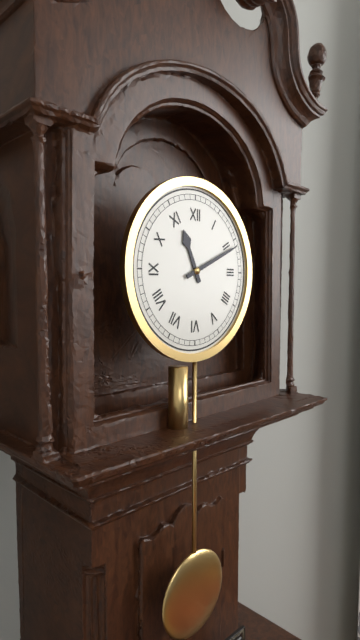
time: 11:11
